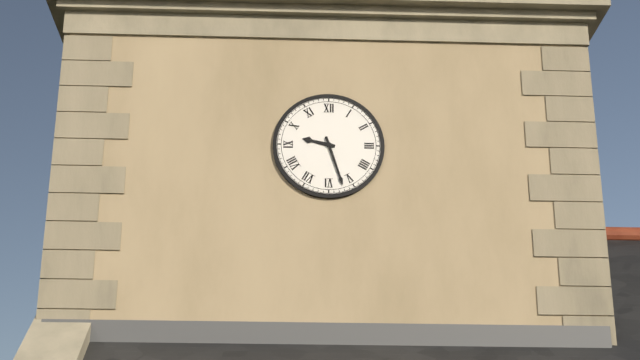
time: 9:27
